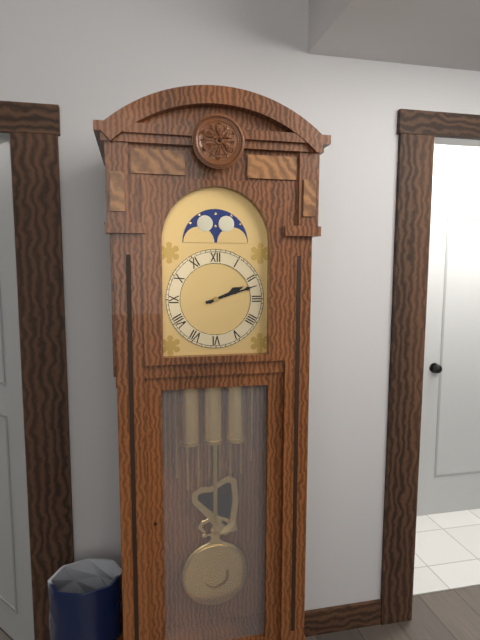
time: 2:12
